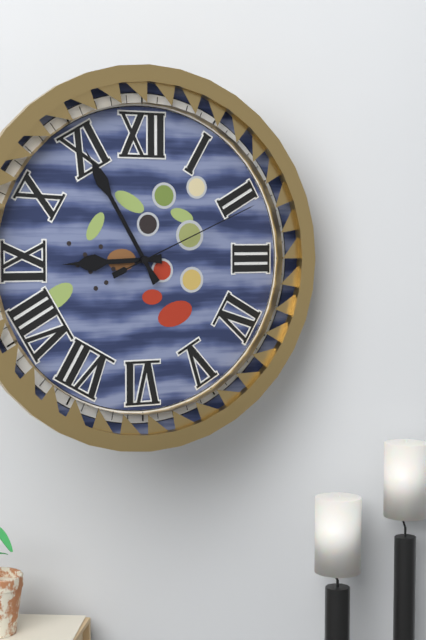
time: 8:55:11
